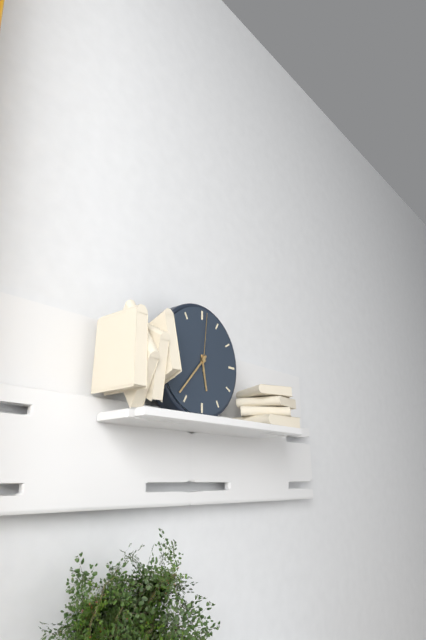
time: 5:37:01
